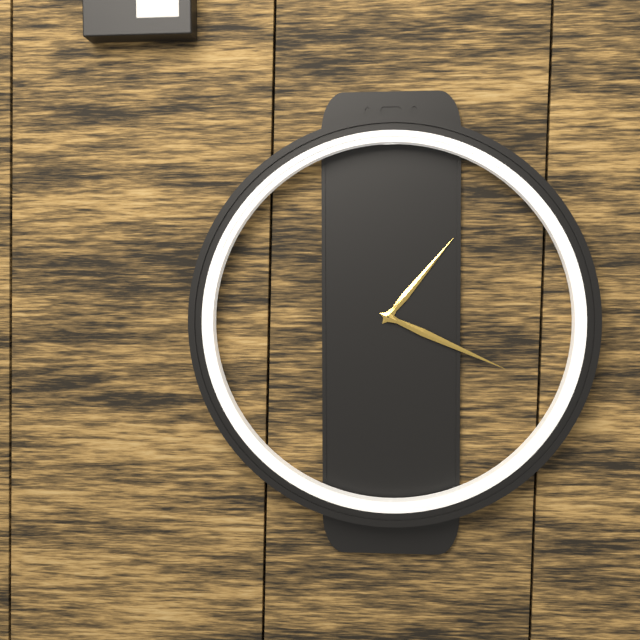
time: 1:19
